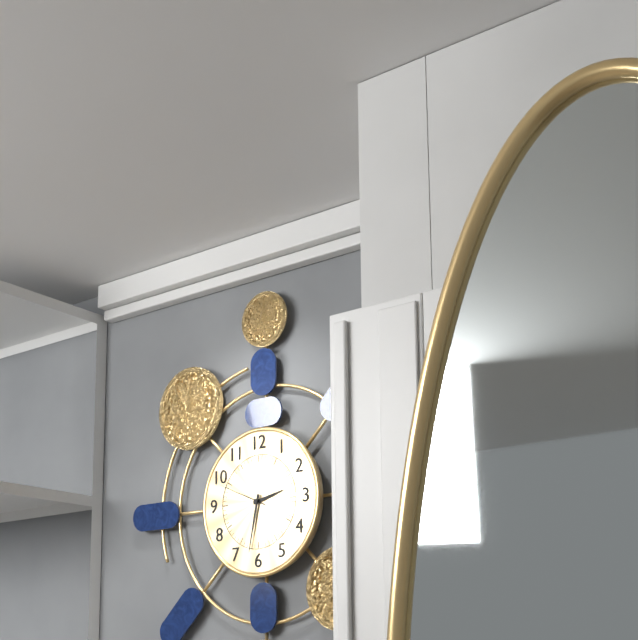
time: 2:32:49
